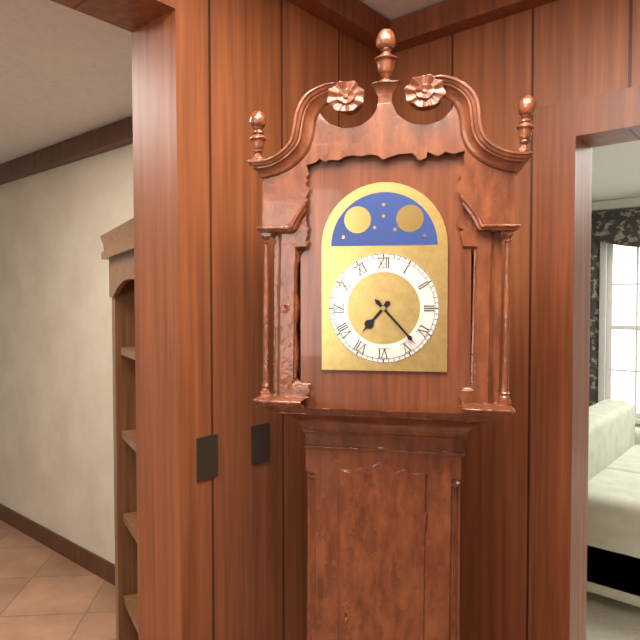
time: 7:23
